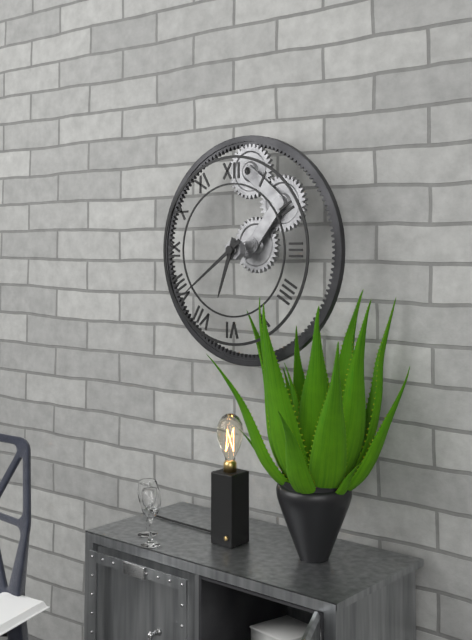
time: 6:39
